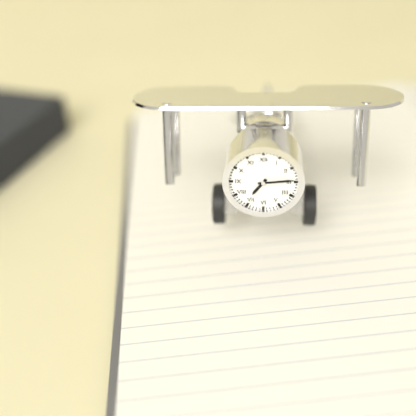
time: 7:14
